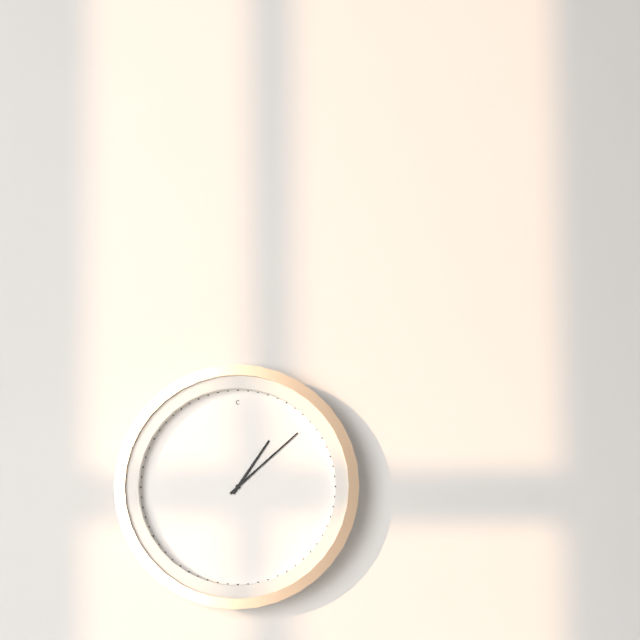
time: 1:08
